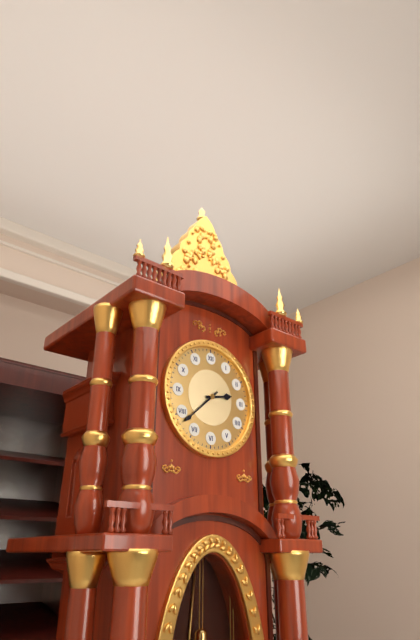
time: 2:38
